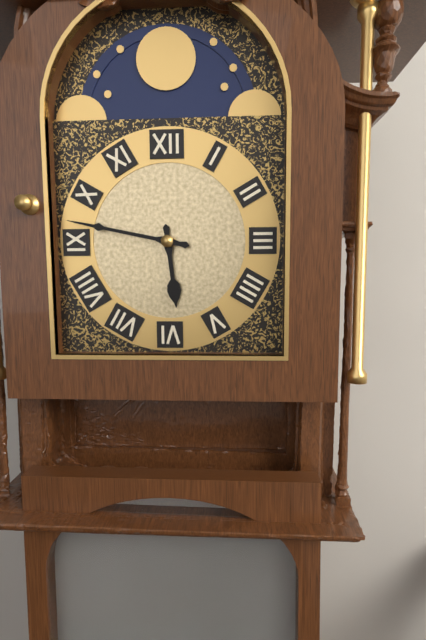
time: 5:47
